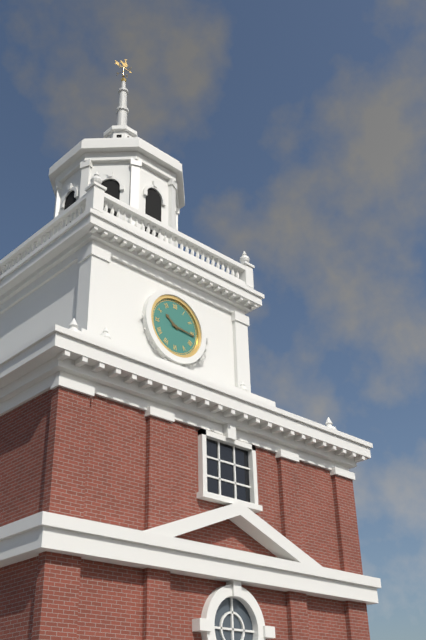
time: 10:16
